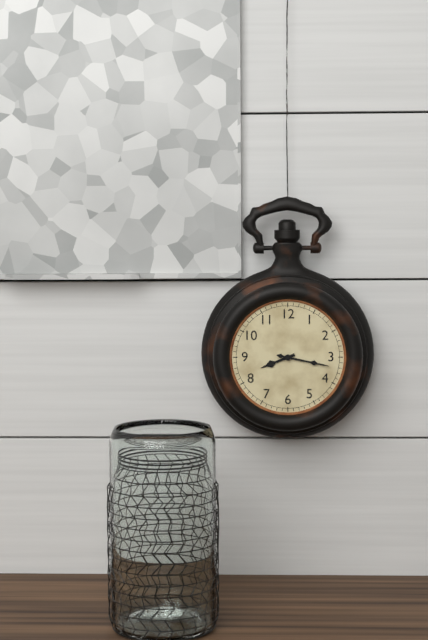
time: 8:17
